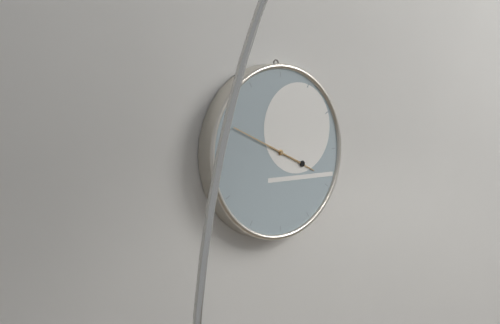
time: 3:49
